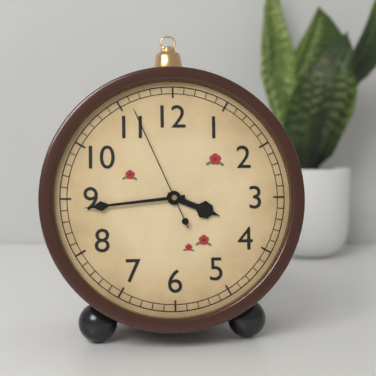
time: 3:44:56
